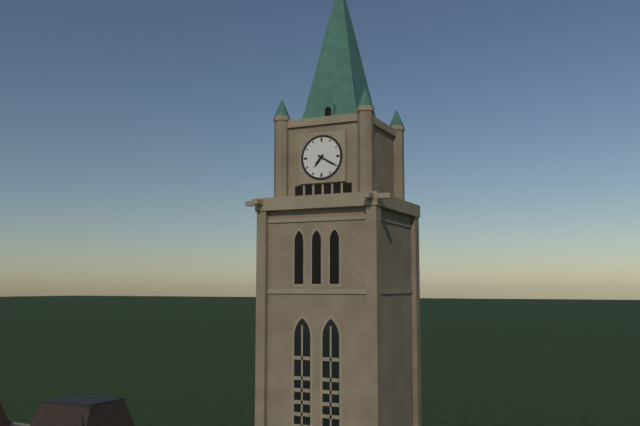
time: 7:20
